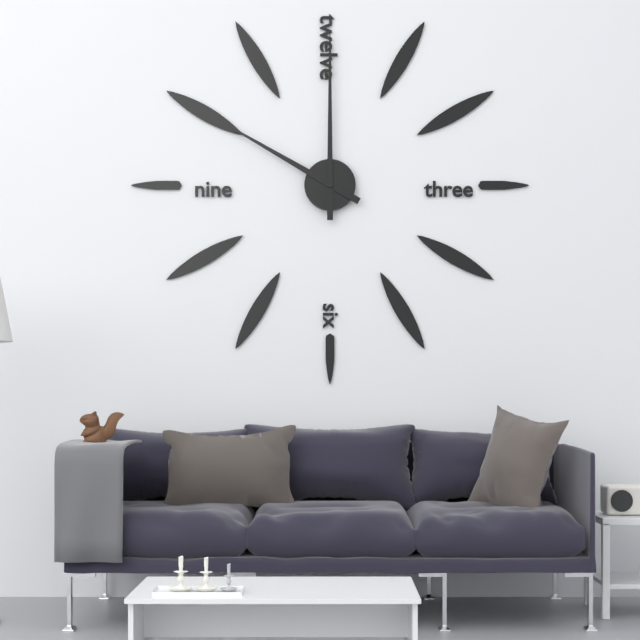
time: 10:00
